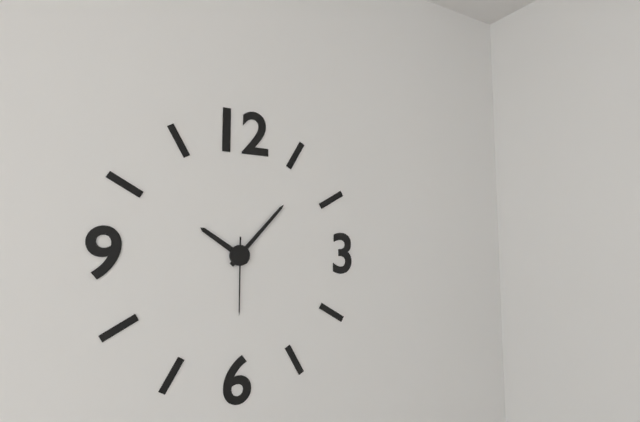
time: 10:07:30
